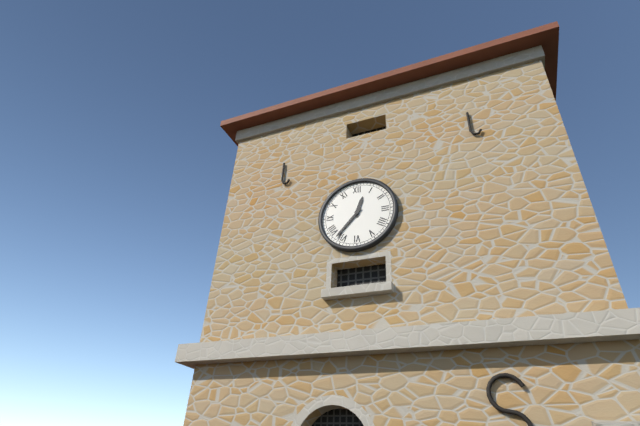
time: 12:37
